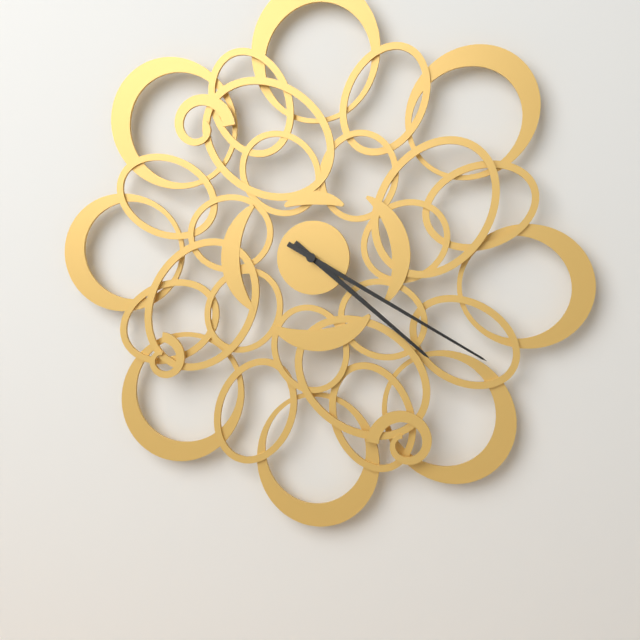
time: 4:20
